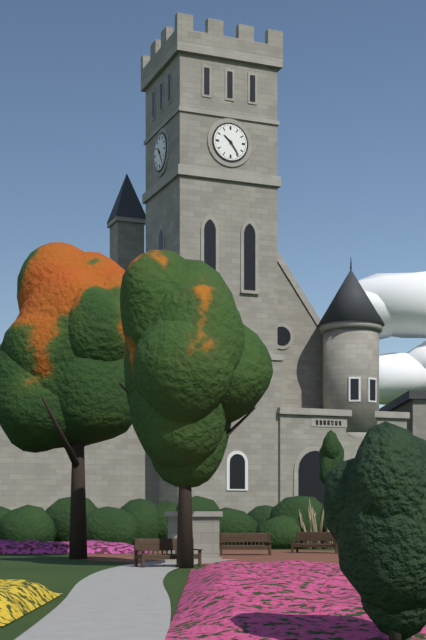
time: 10:24
